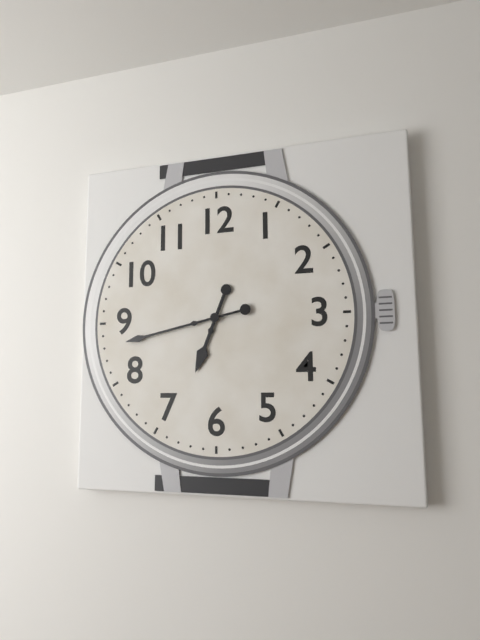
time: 6:43
